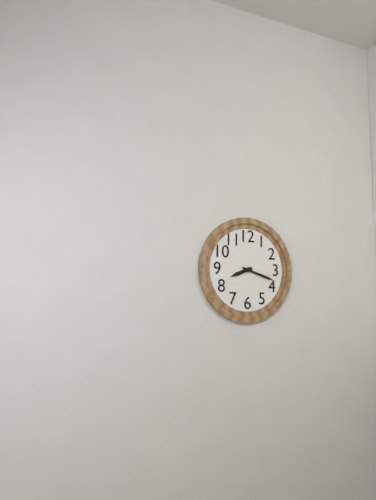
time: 8:18
